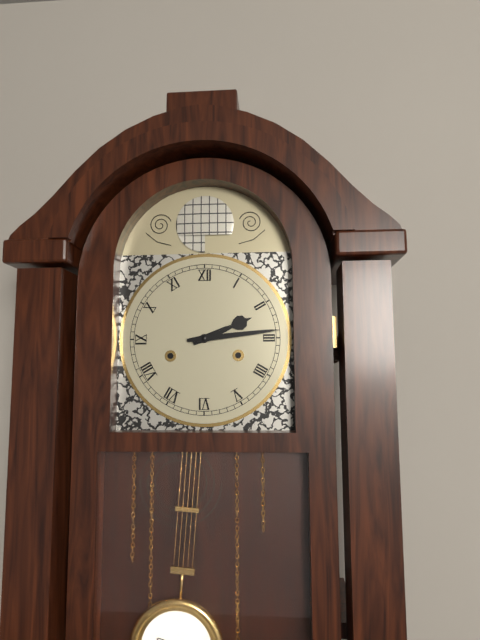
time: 2:14
